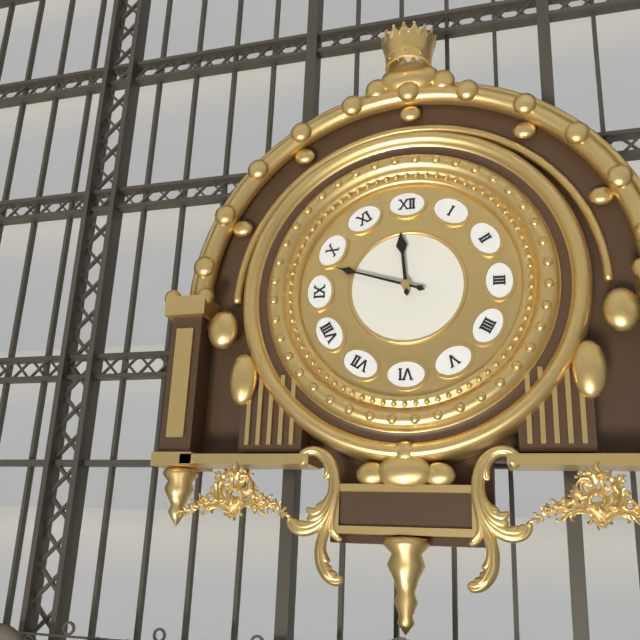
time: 11:48
